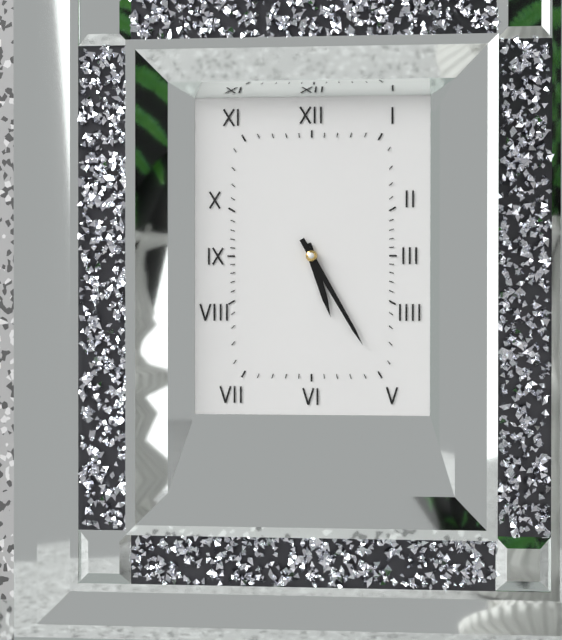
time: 5:25
